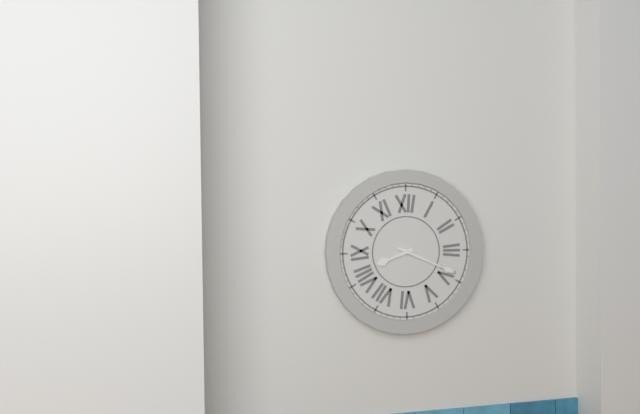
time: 8:19
